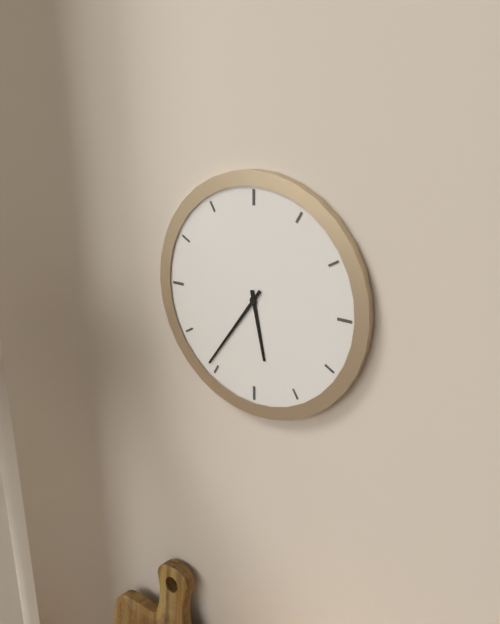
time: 5:36
